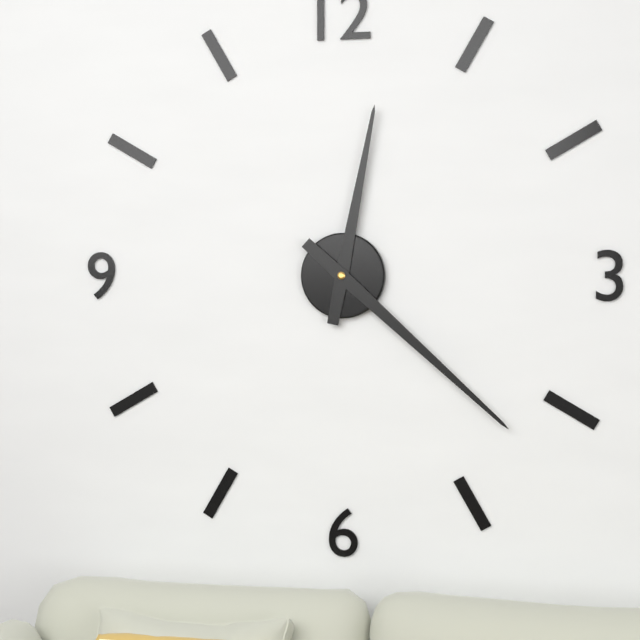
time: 12:22
